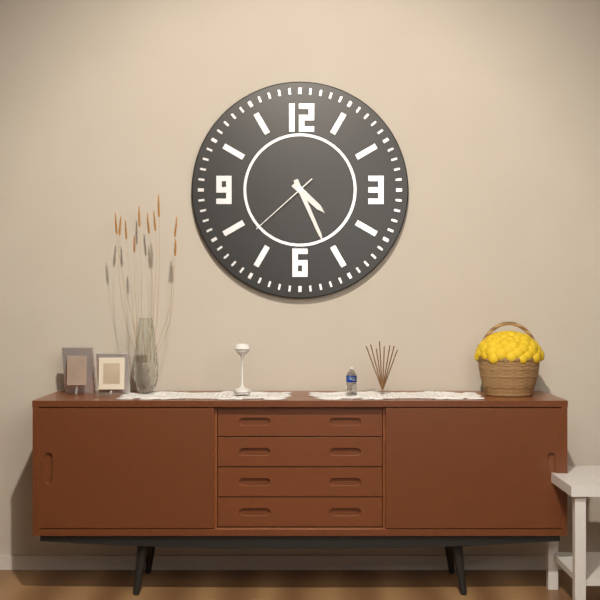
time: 4:26:38
